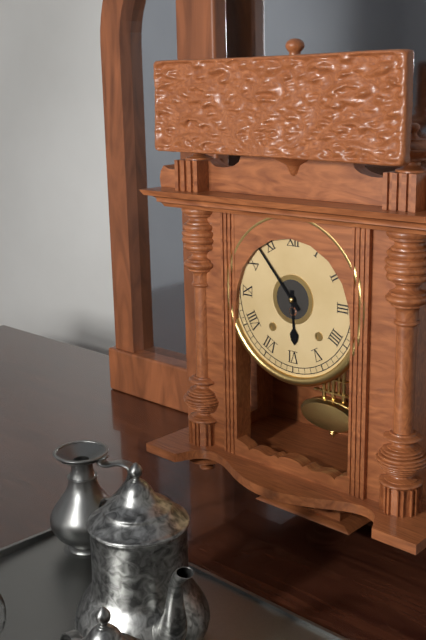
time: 5:53
